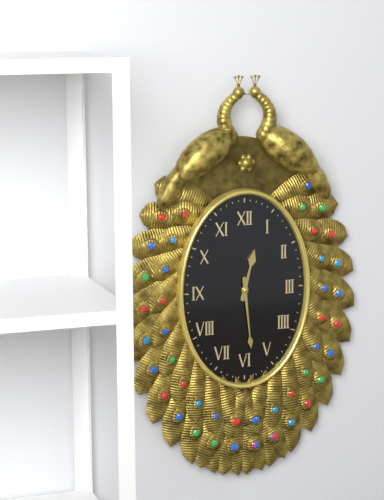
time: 12:29
